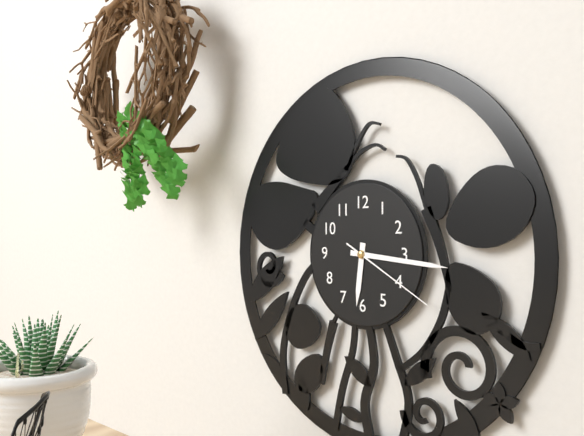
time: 6:16:20
